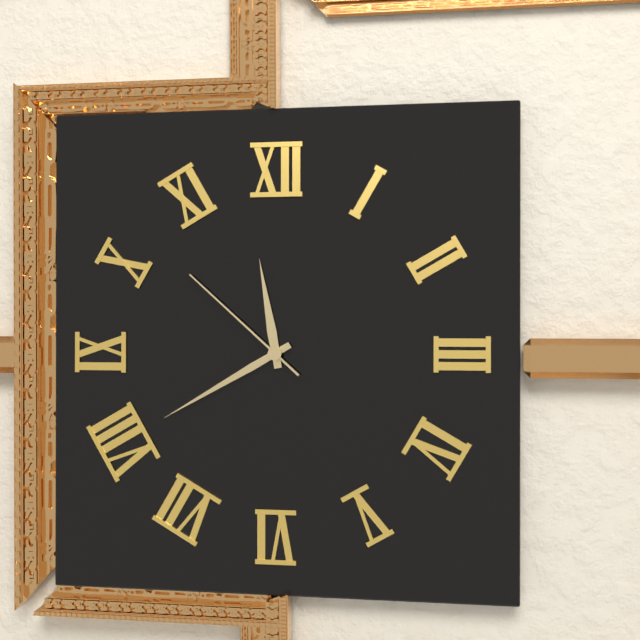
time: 11:40:52
